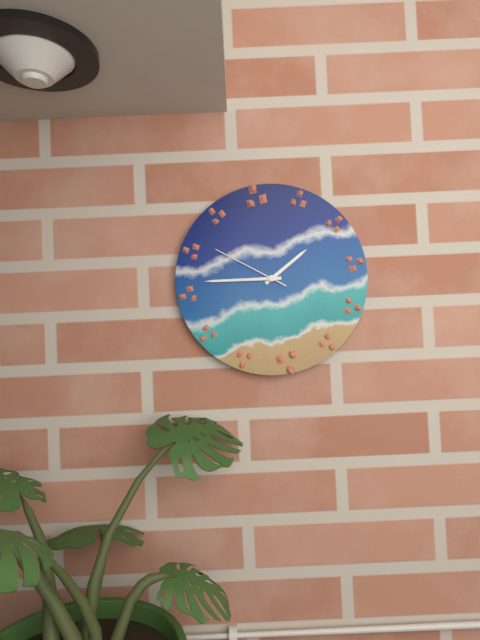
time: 1:45:50
